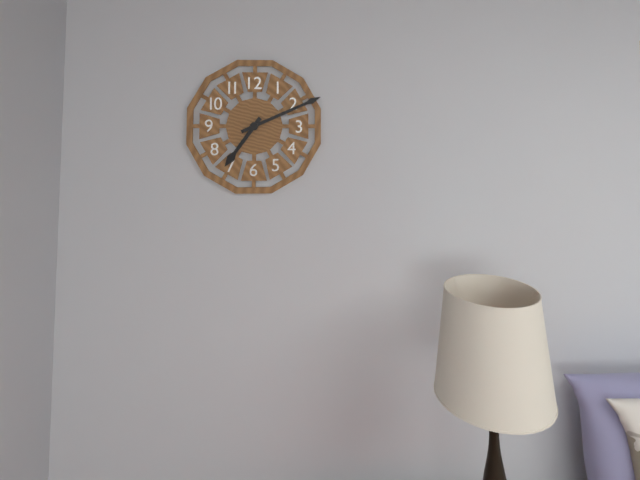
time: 7:11
